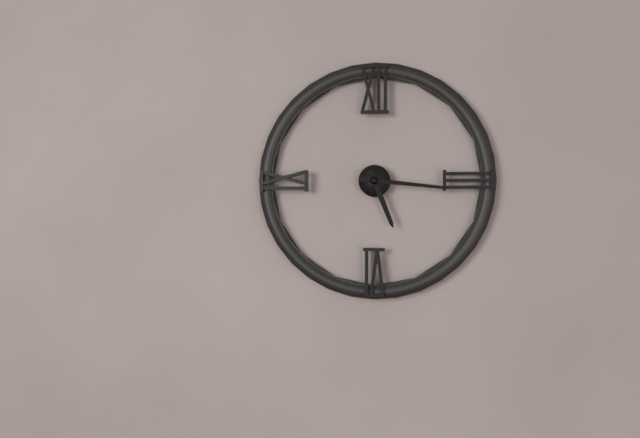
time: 5:16
